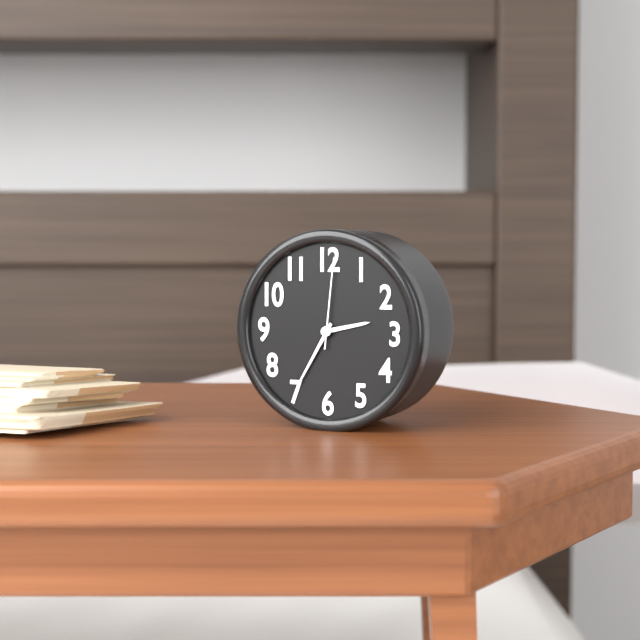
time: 2:35:01
